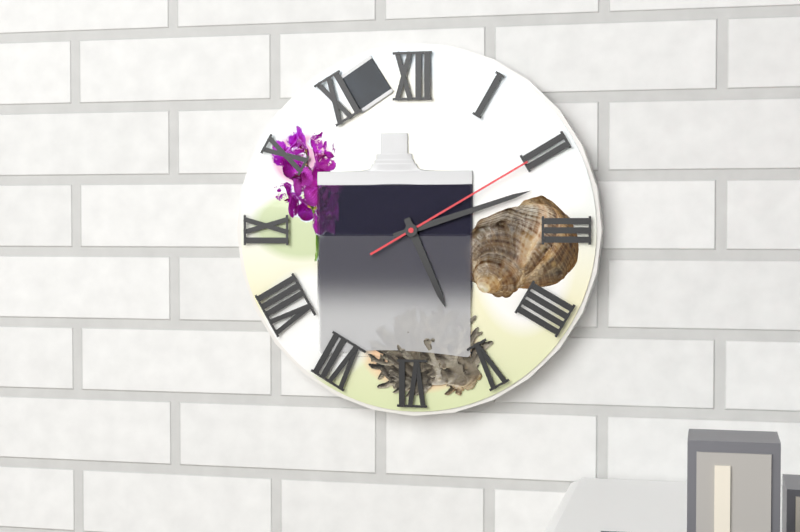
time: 5:12:10
